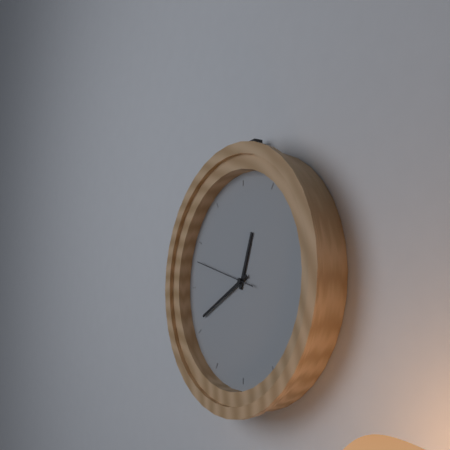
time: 12:41:48
